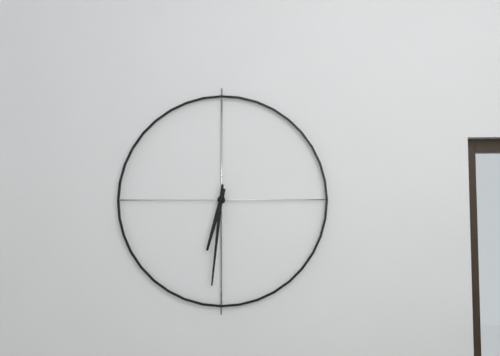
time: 6:31
